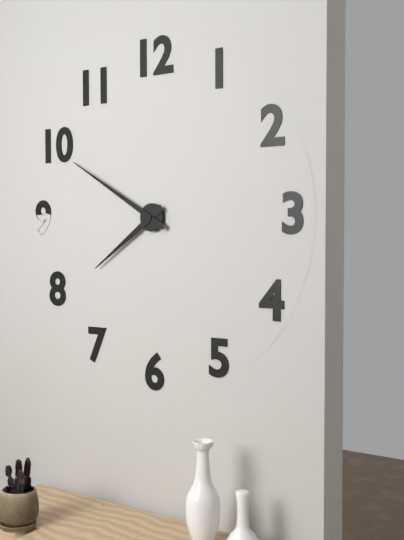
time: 7:50
